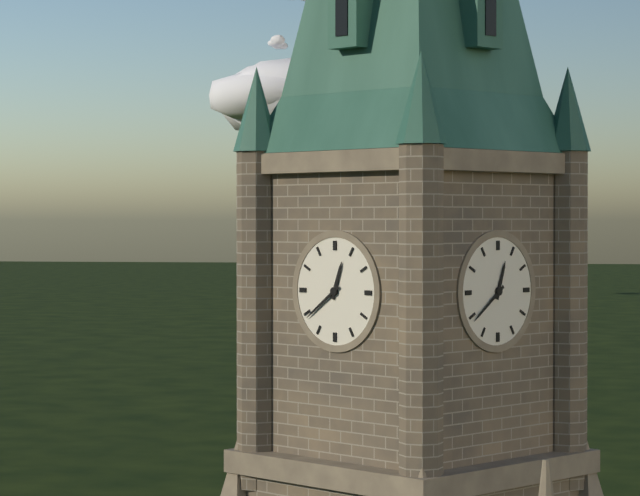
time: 12:39
